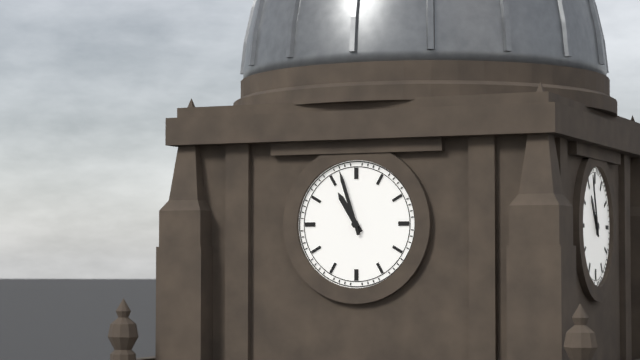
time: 10:57
